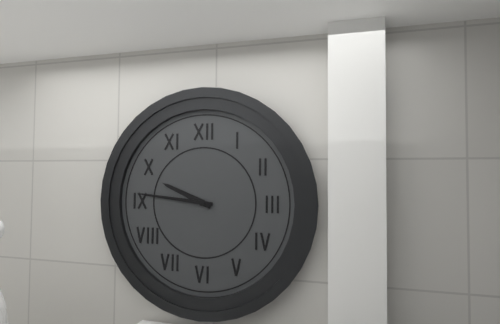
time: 9:46
